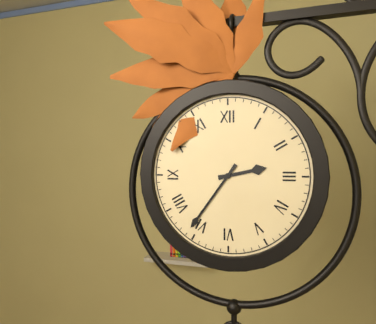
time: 2:36
